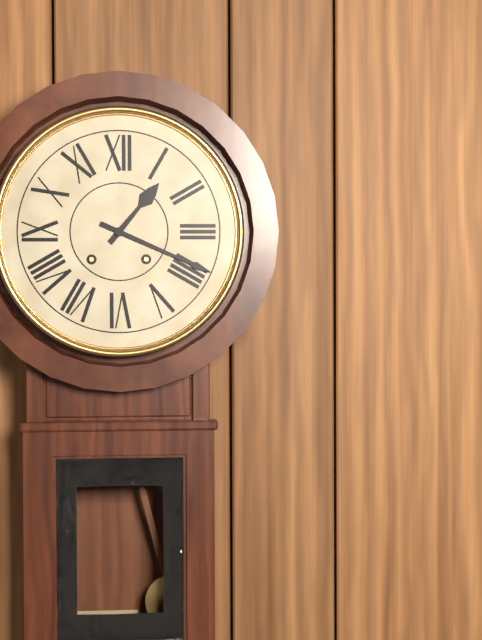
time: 1:19
